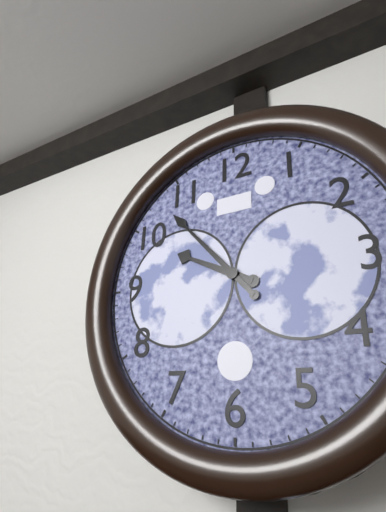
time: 9:53
